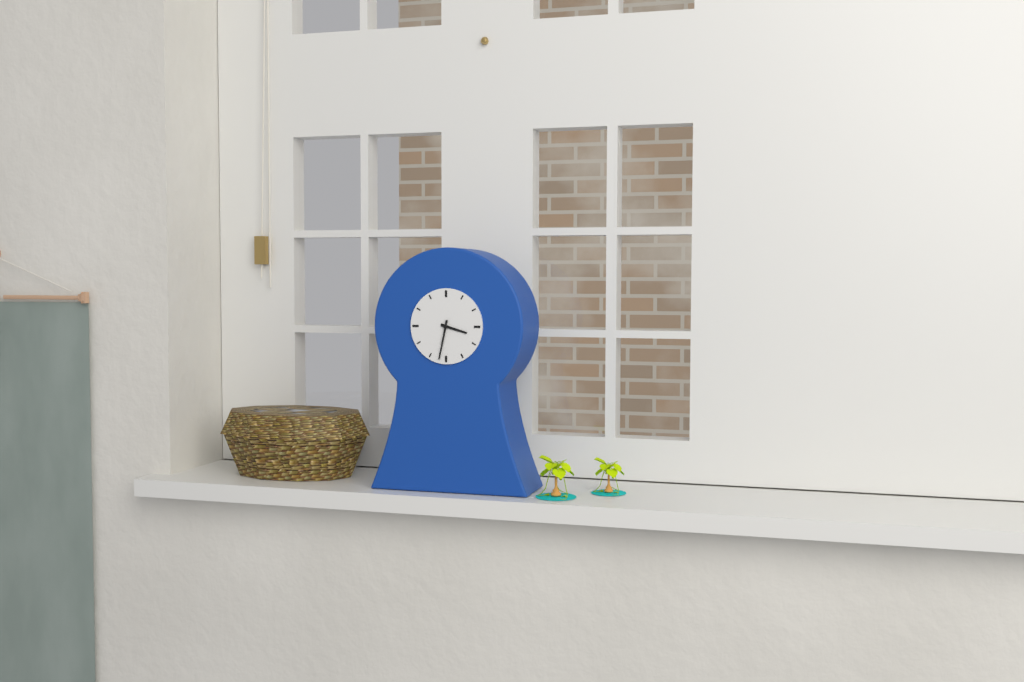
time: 3:32
